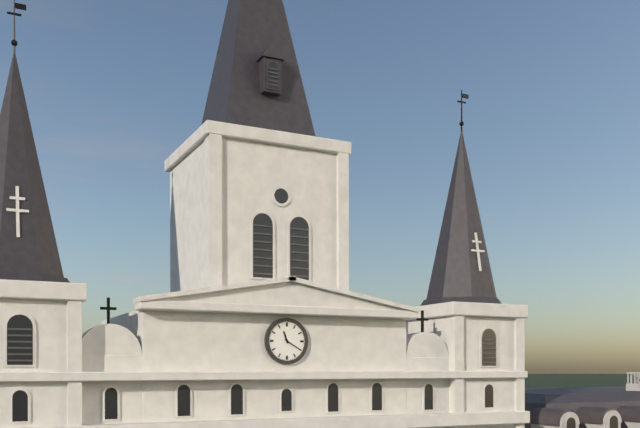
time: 11:20
